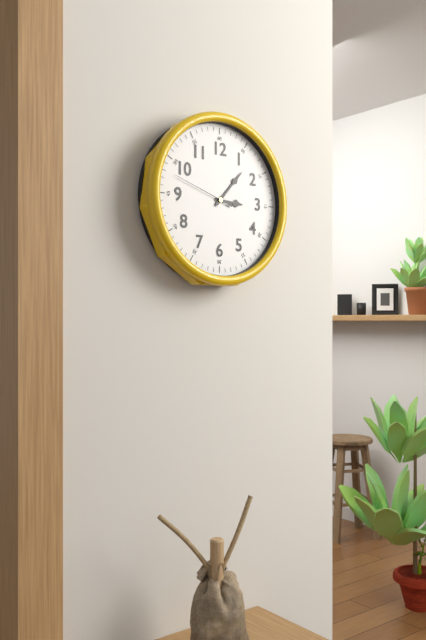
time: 3:07:48
